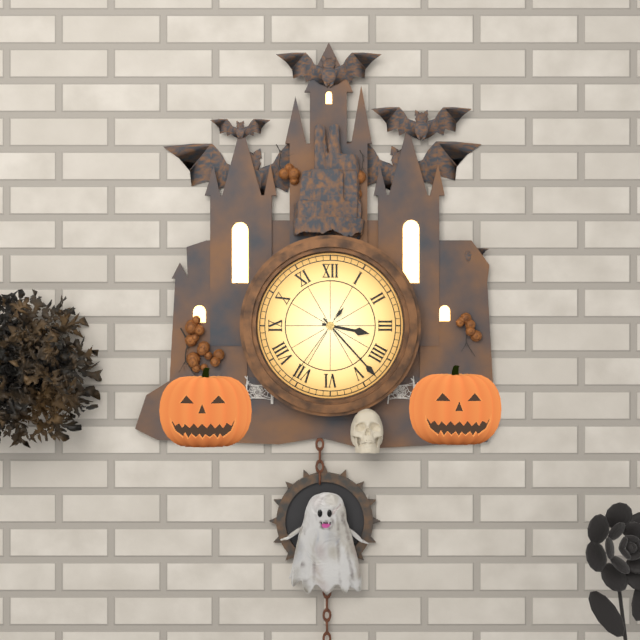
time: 3:23:36
